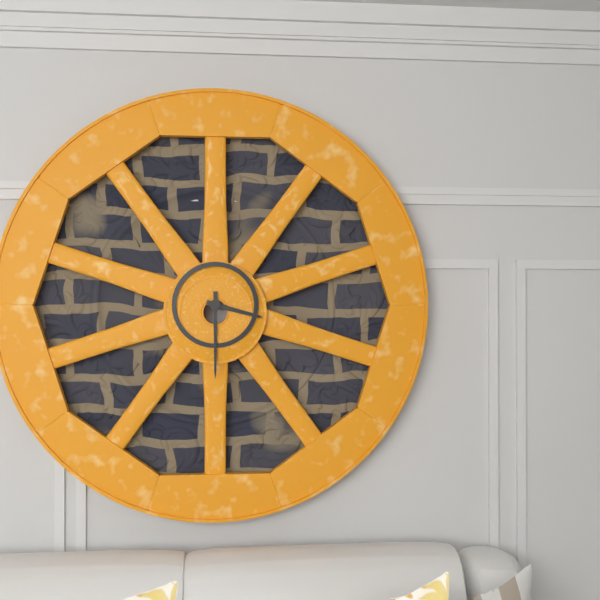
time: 3:30
